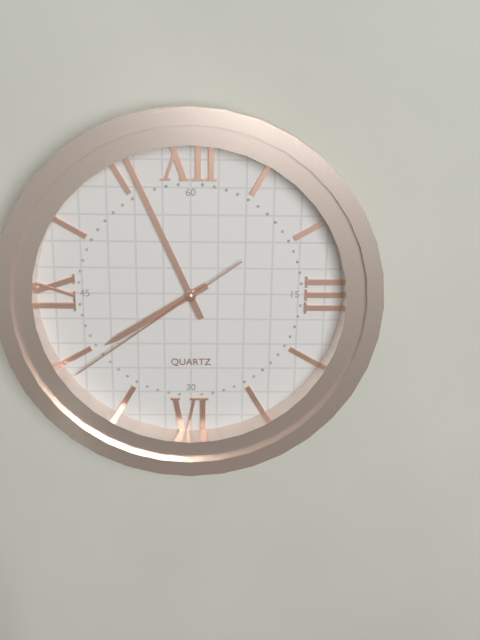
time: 7:56:39
